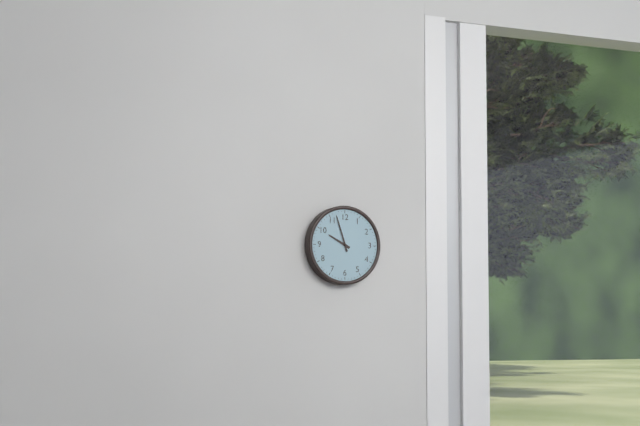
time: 9:57
